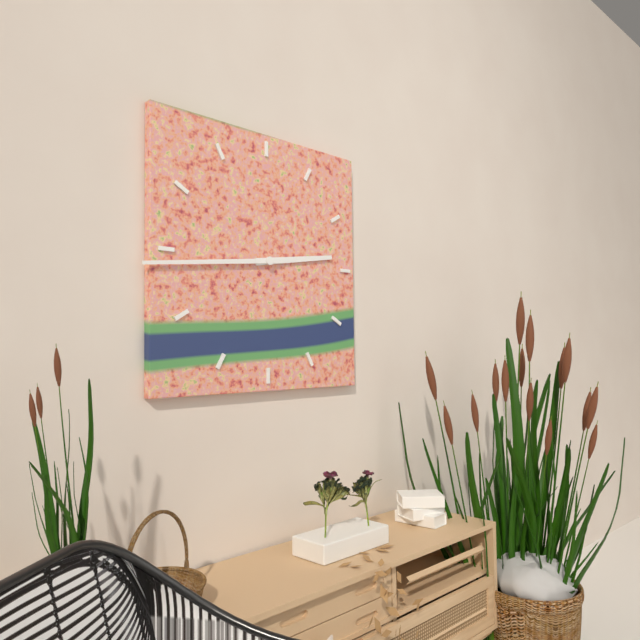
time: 2:44
